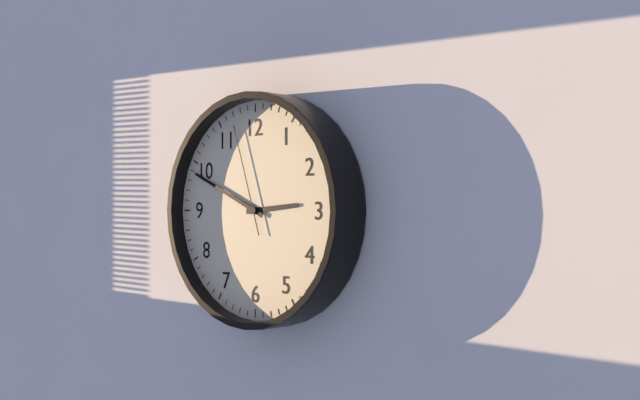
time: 2:49:57
